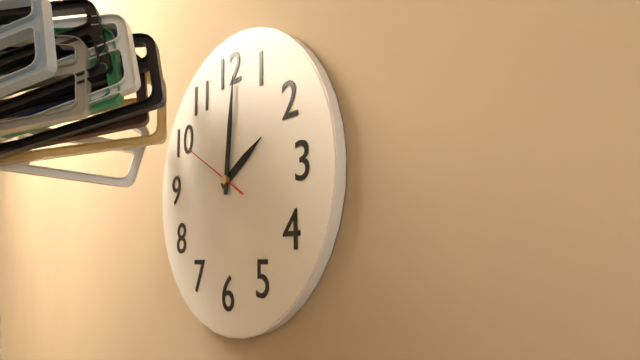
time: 2:01:50
